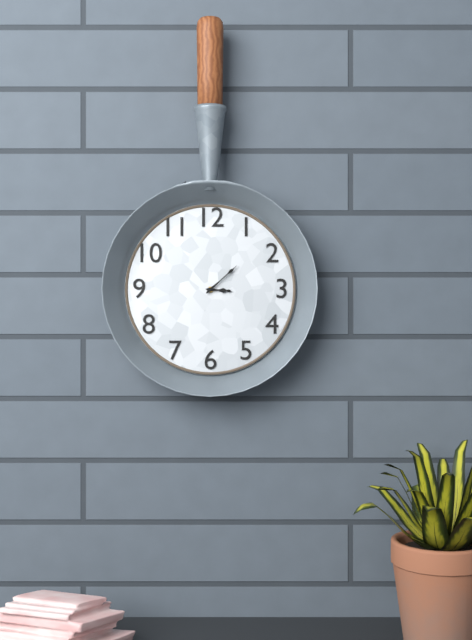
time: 3:08
